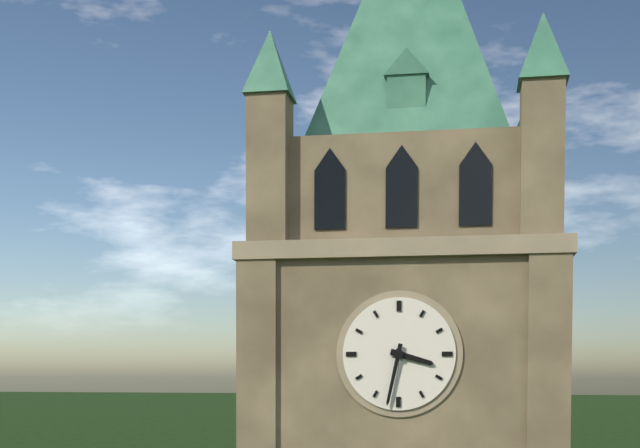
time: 3:32
